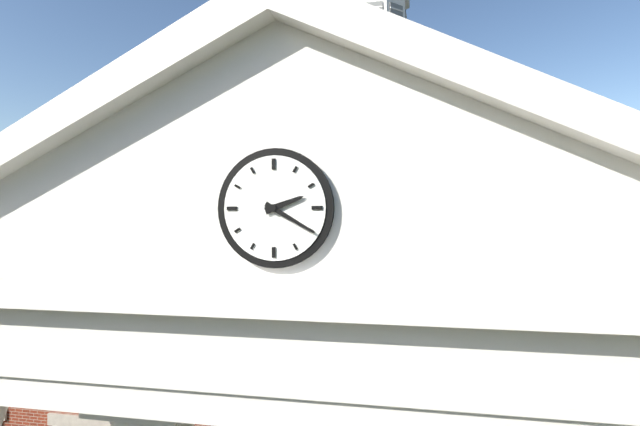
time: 2:20
